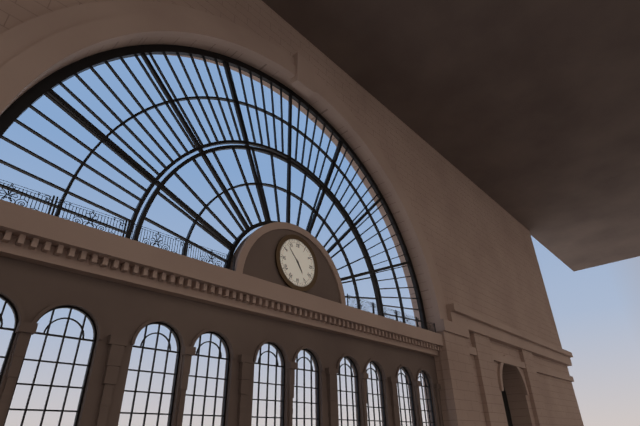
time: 4:53
